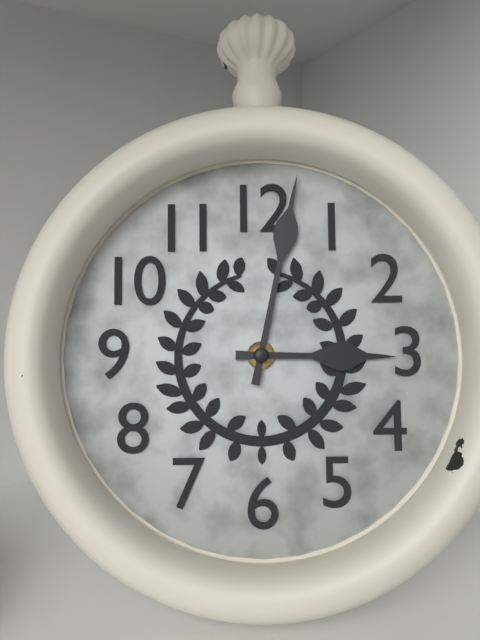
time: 3:02
